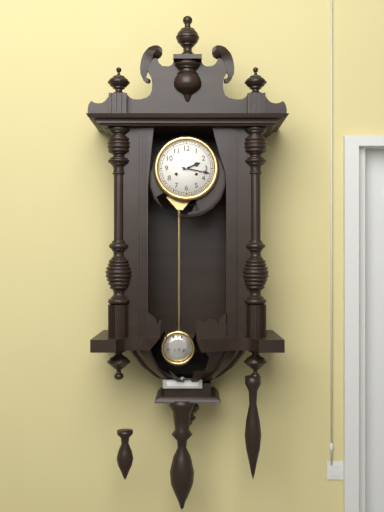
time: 2:17
